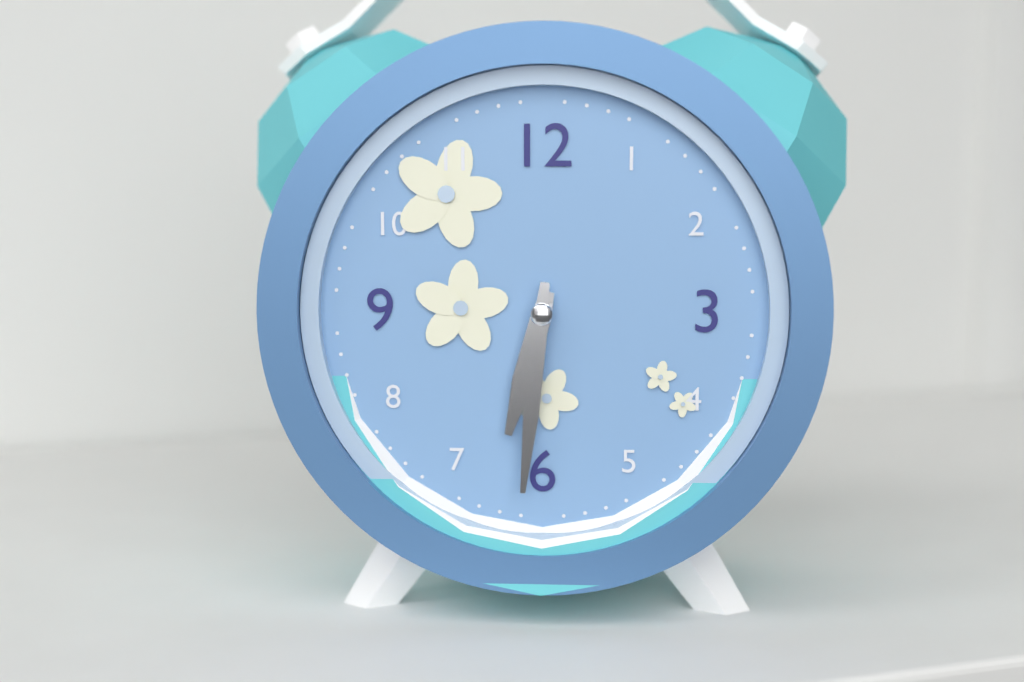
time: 6:31
